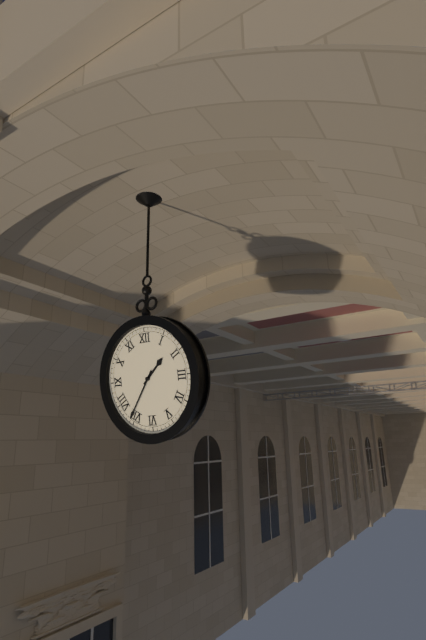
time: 1:36
